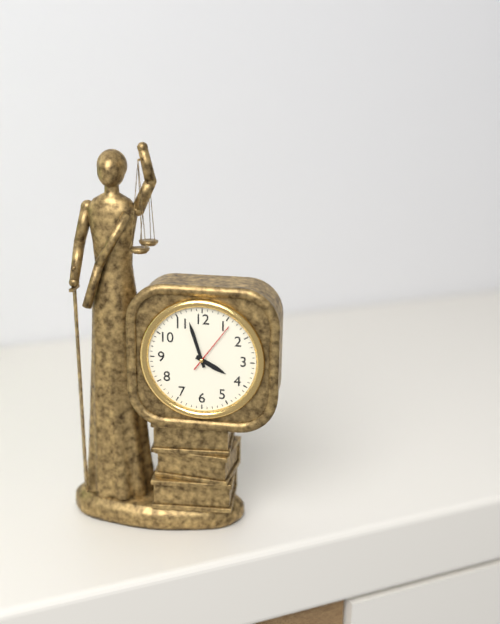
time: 3:57:06
